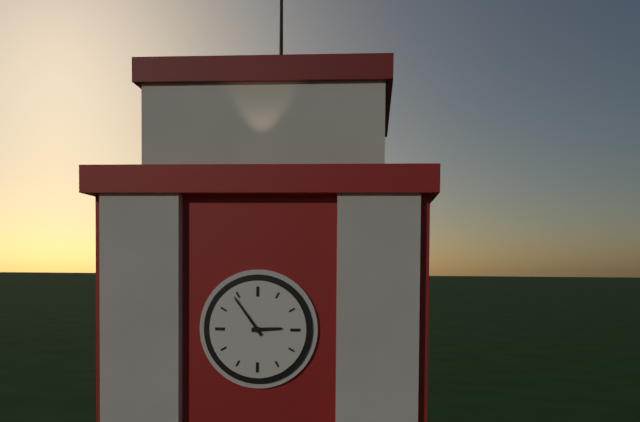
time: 2:54
